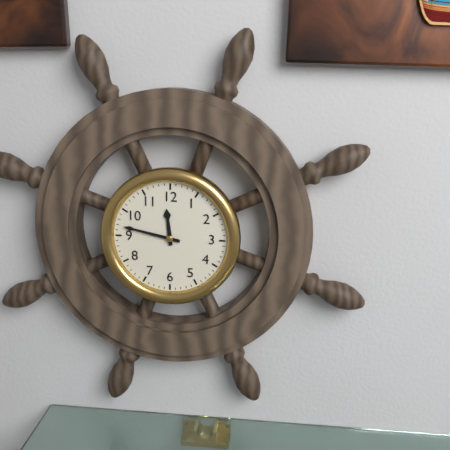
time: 11:47
